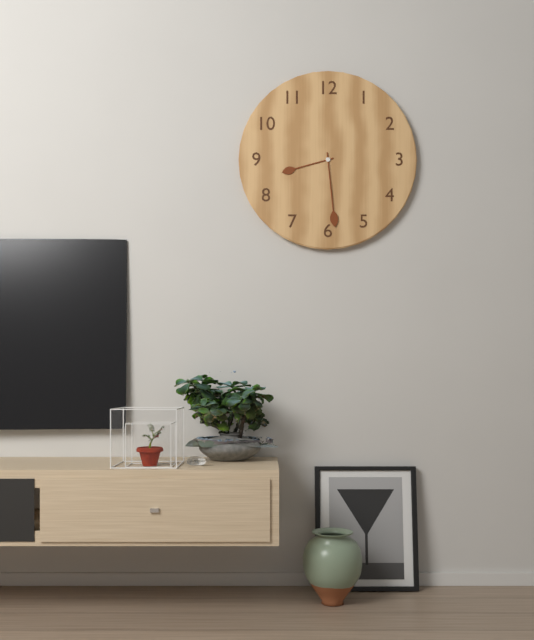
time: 8:29
